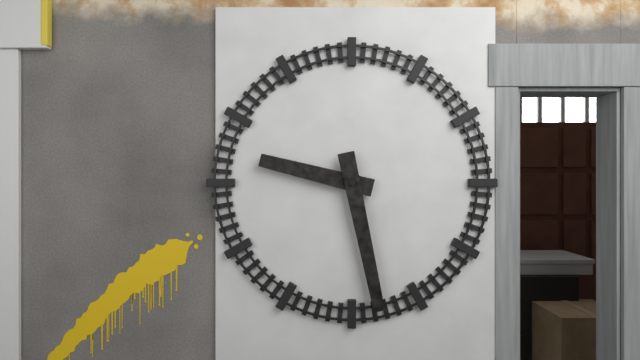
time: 9:28
